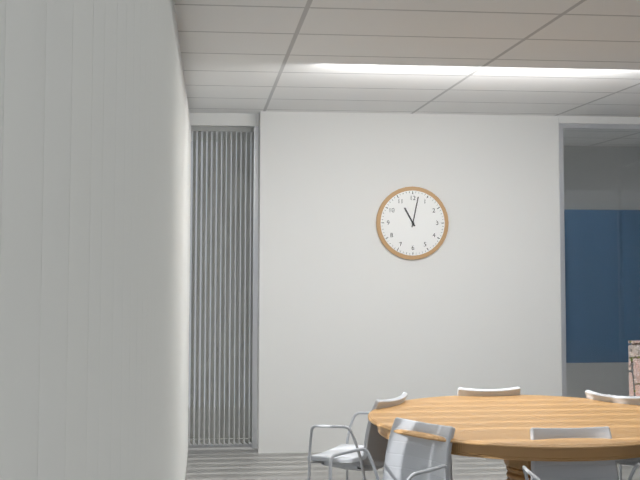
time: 11:02
